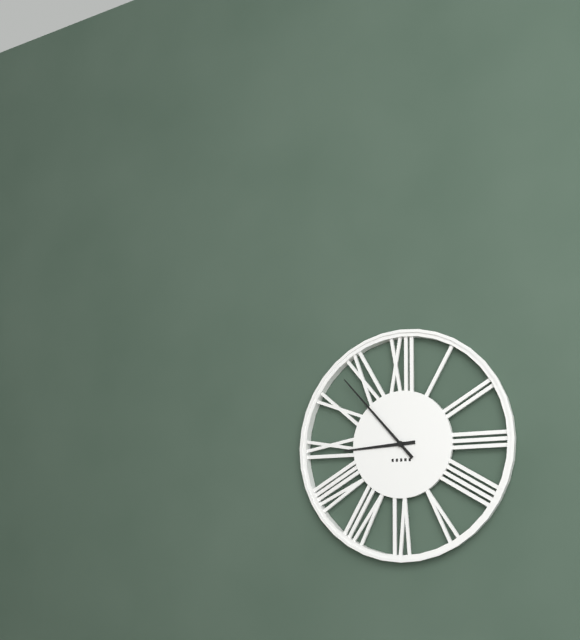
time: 8:53
